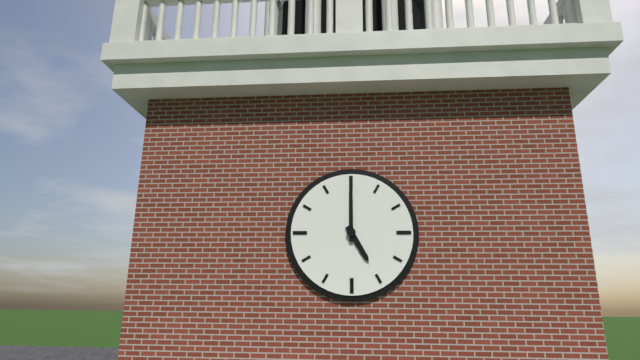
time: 5:00
